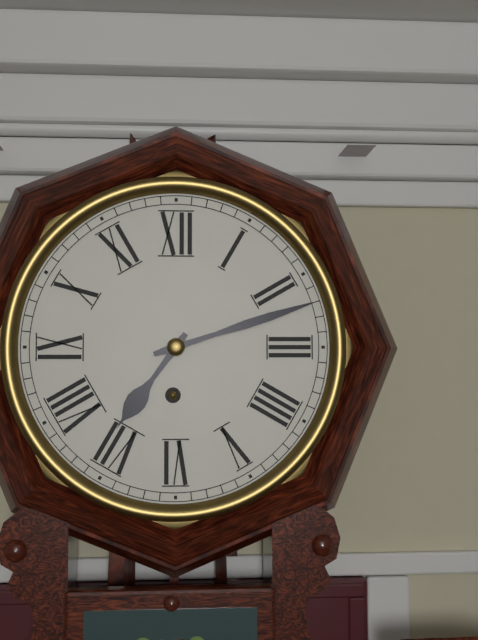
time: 7:12
